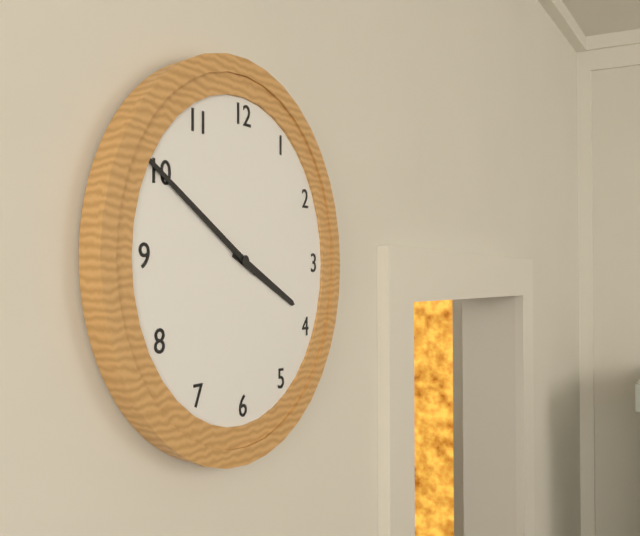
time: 3:50
